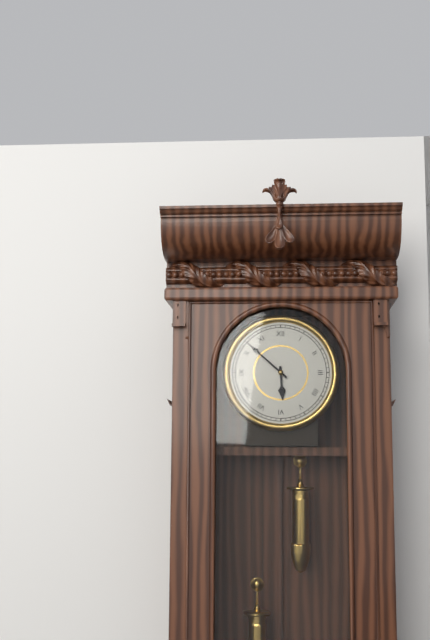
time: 5:52
